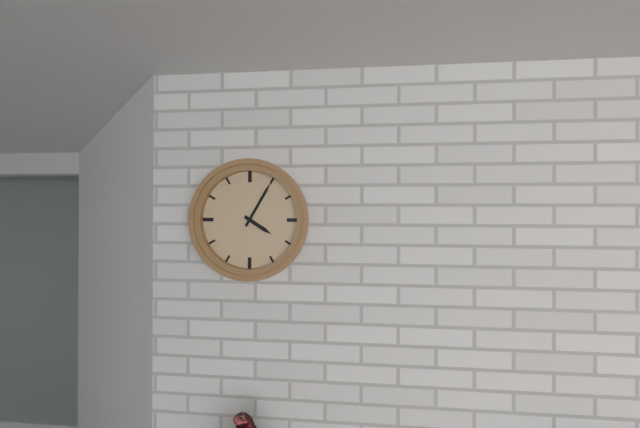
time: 4:05
